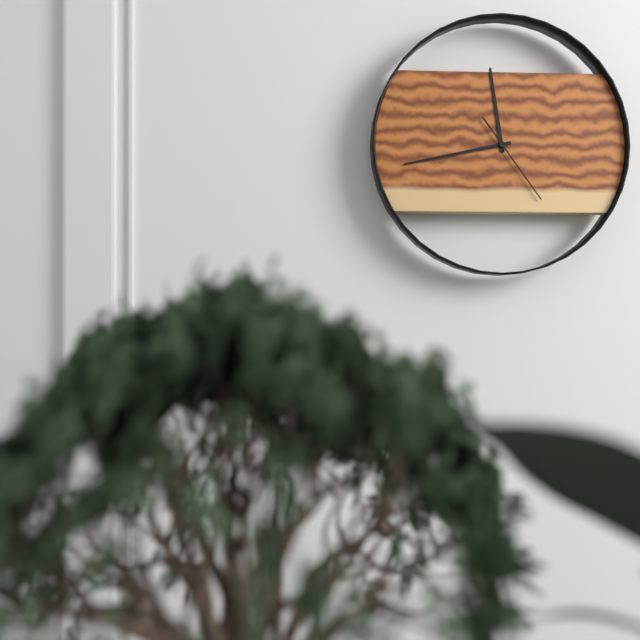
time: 11:43:24
